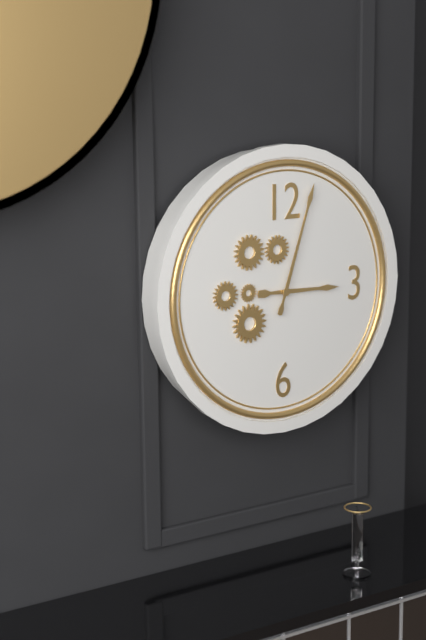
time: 3:03
